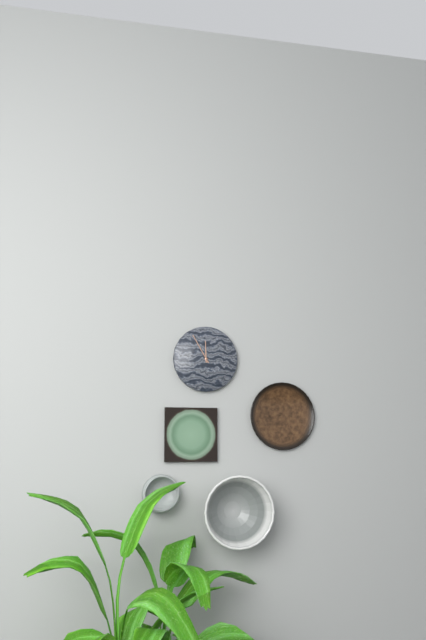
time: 11:55
